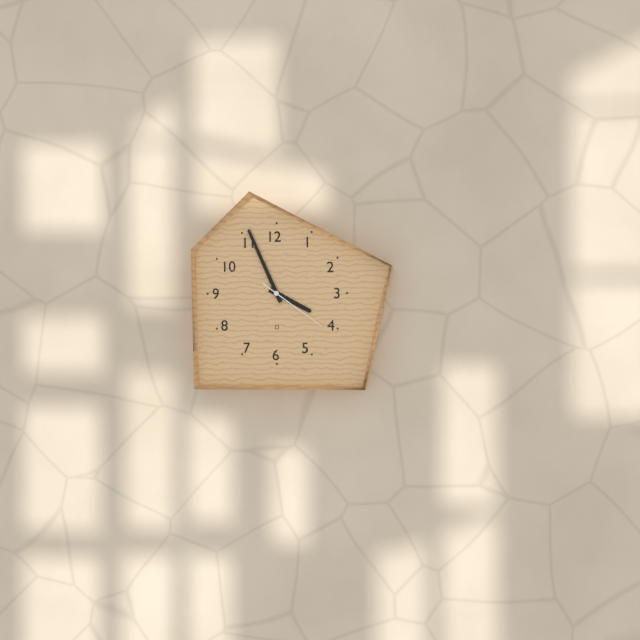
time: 3:56:21
